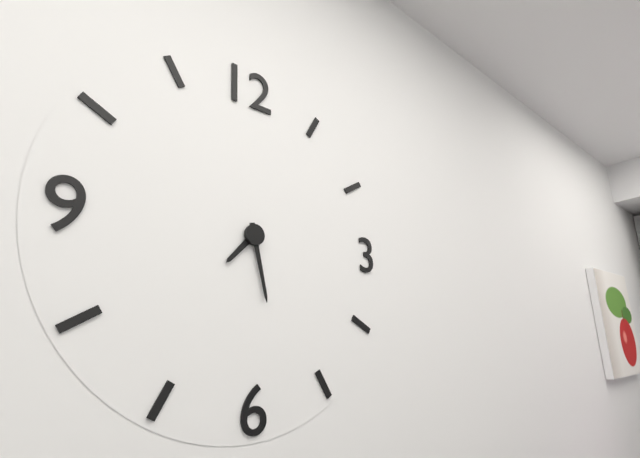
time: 7:28
